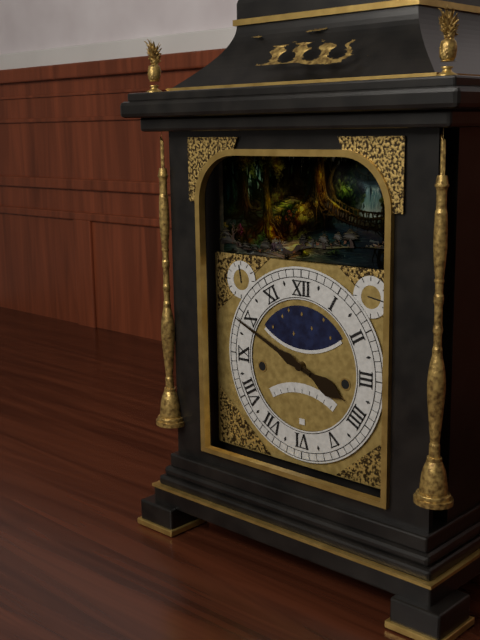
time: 3:49
